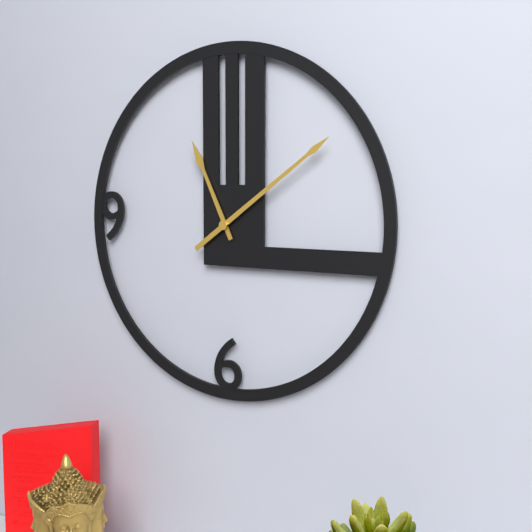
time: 11:09
